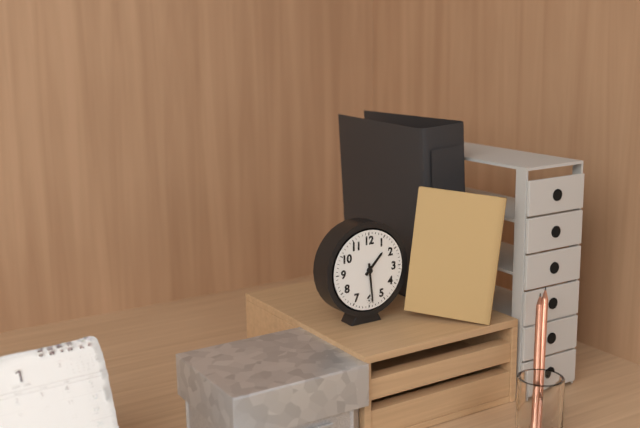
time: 1:29
